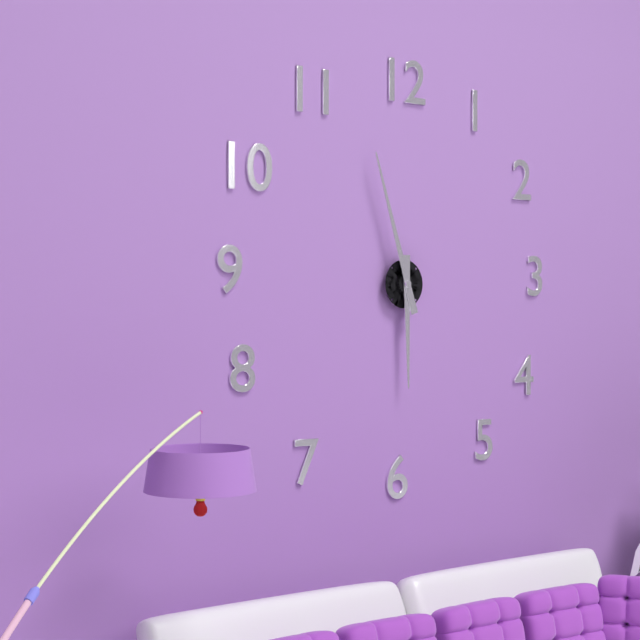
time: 5:57
